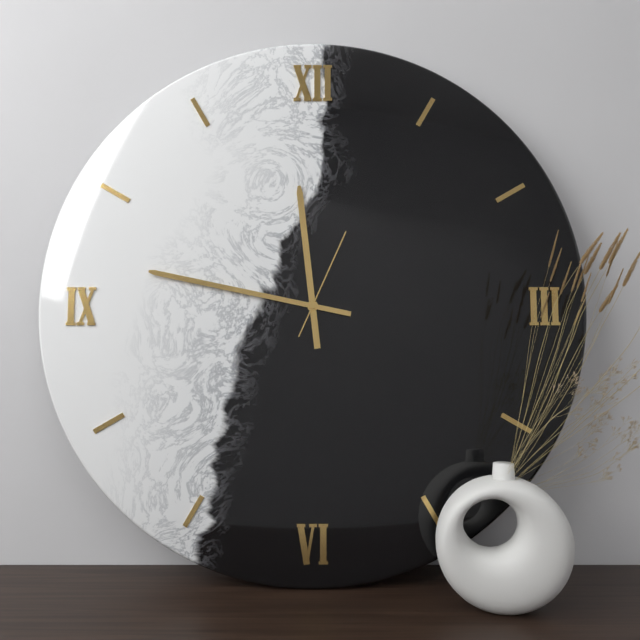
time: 11:47:04
